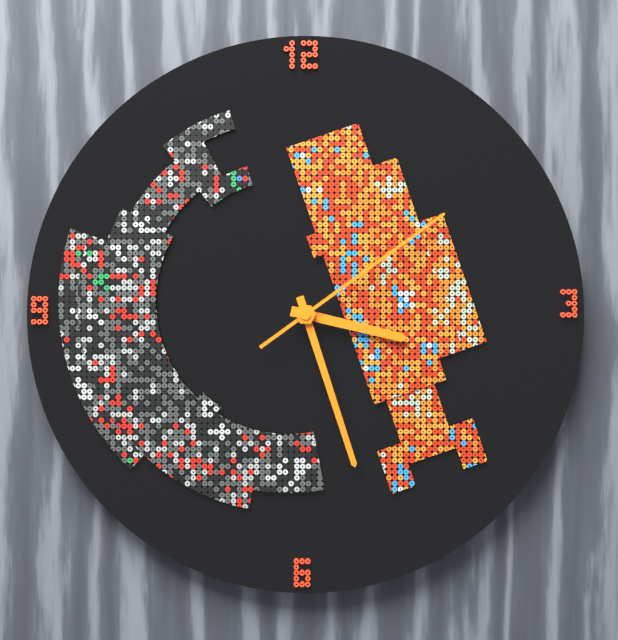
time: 3:27:09
